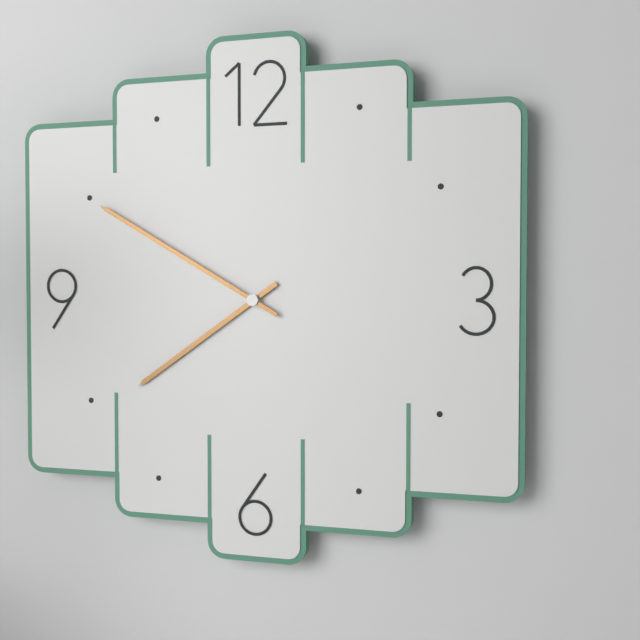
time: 7:50
